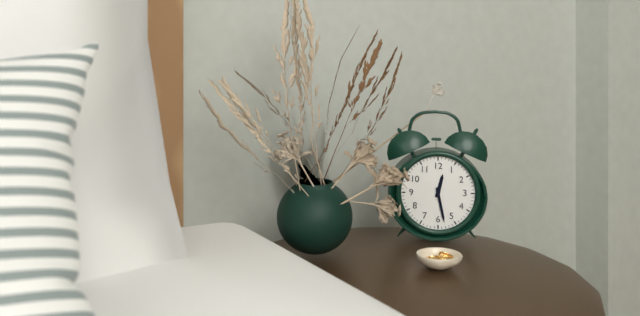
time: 12:28
